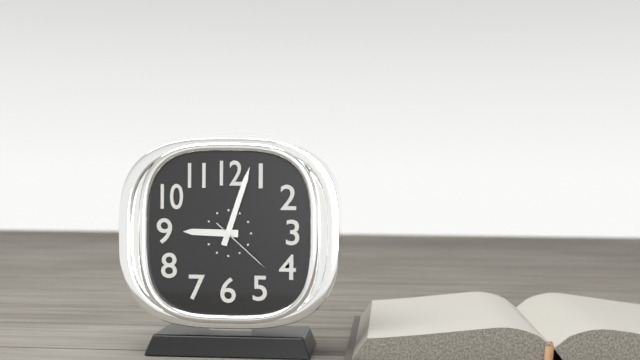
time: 9:03:22
